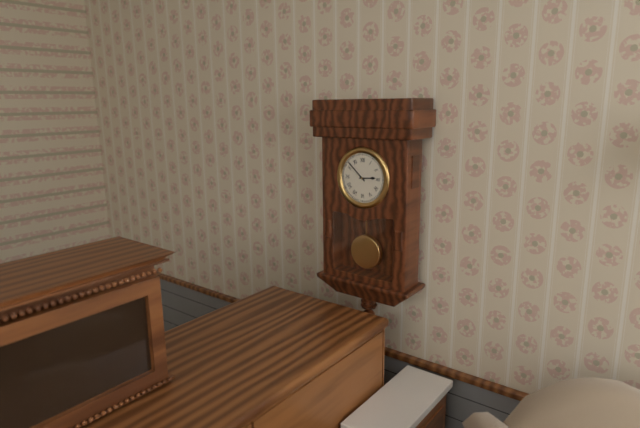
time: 2:52
